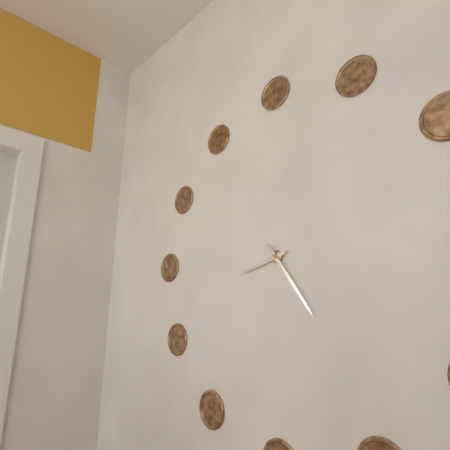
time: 8:24
